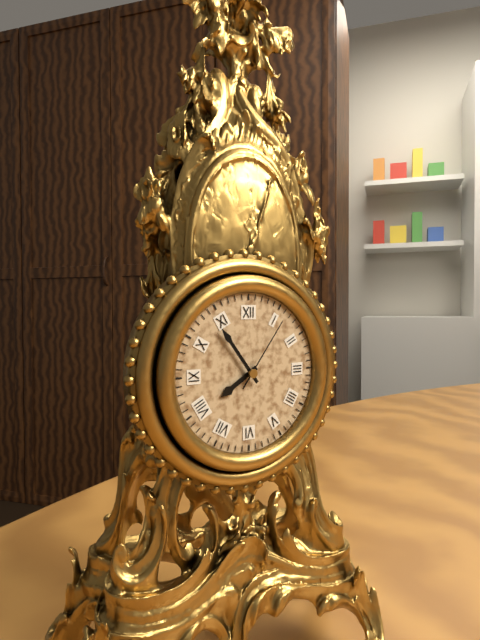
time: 7:54:06
